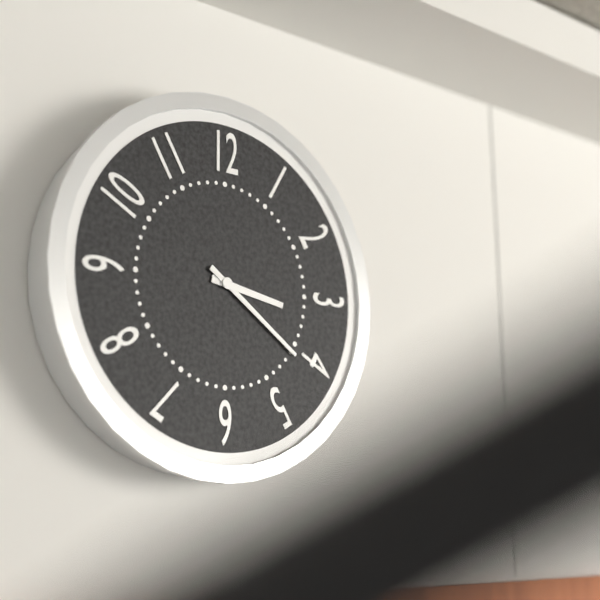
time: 3:21
